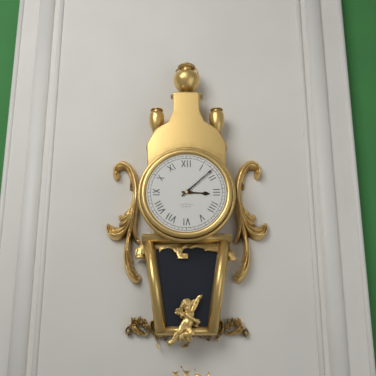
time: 3:08
